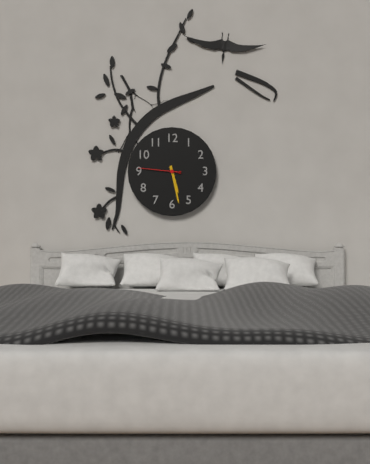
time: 5:28
